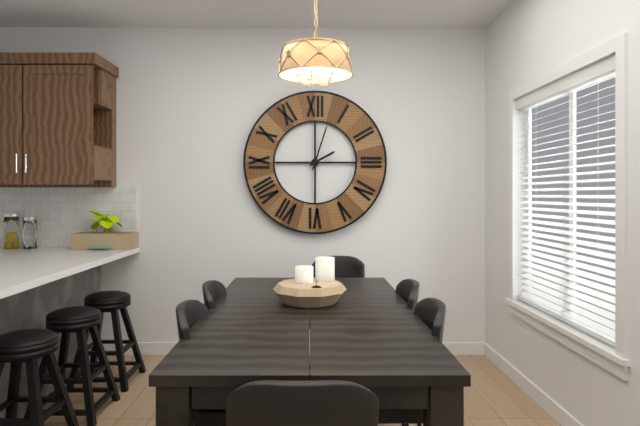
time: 2:03
